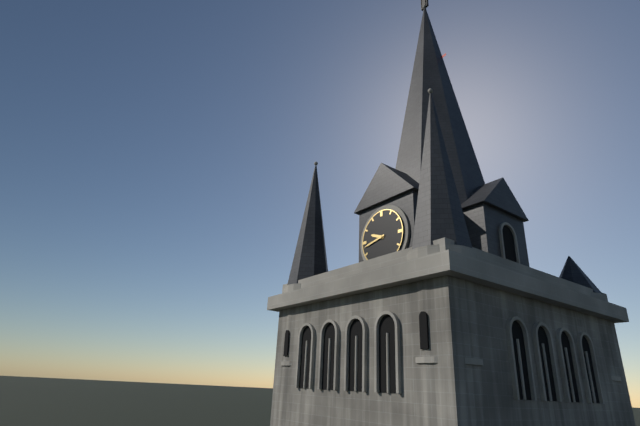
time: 9:43
